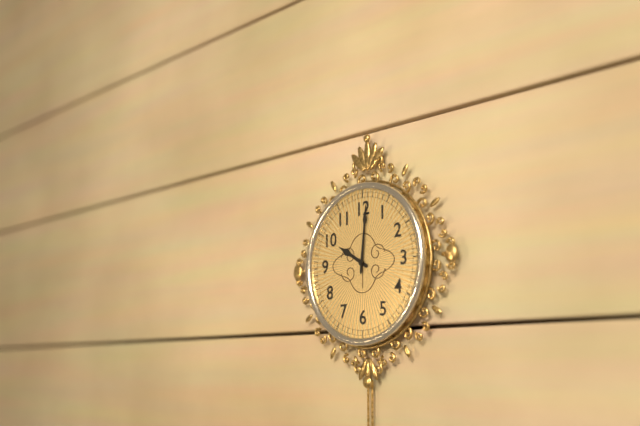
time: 10:01
